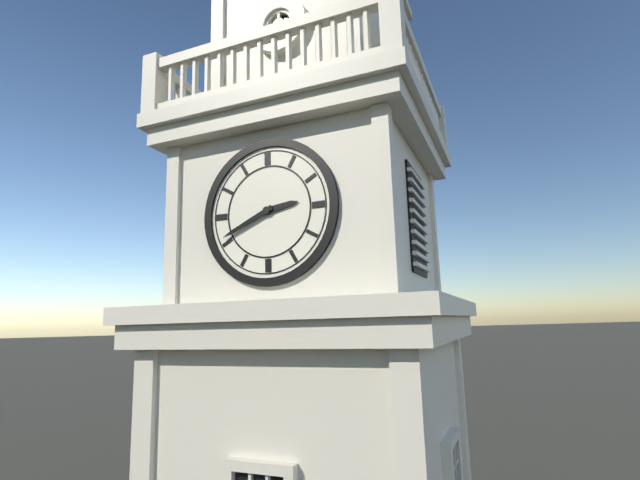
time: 2:41
